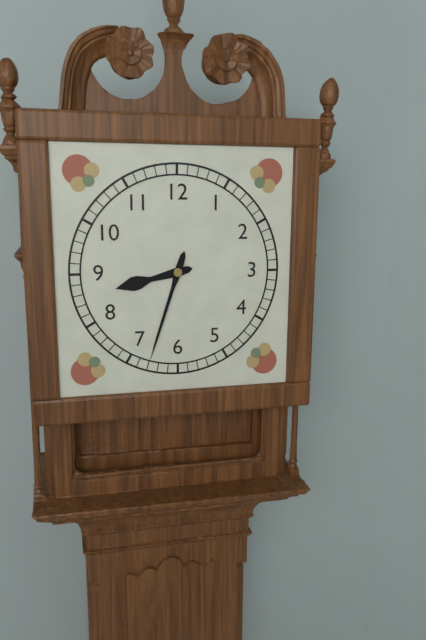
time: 8:33
